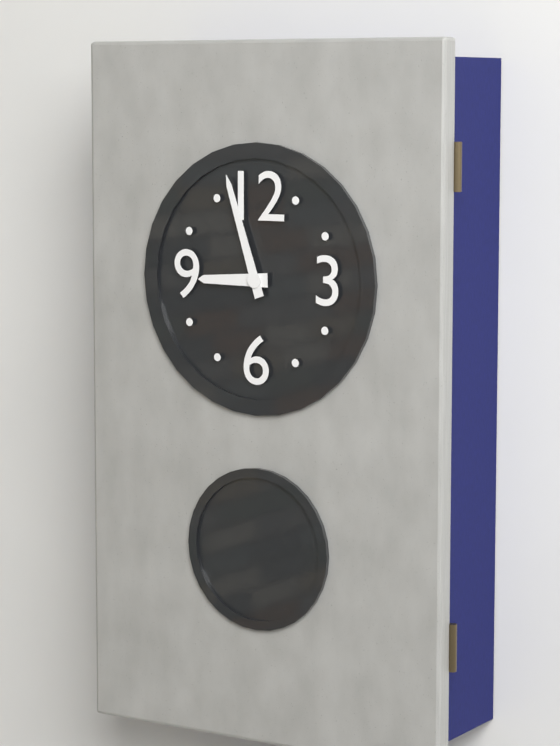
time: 8:57
